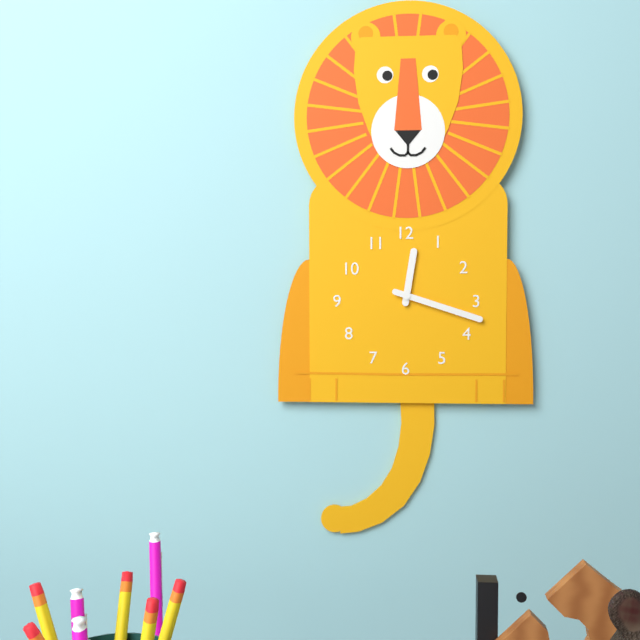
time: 12:18
